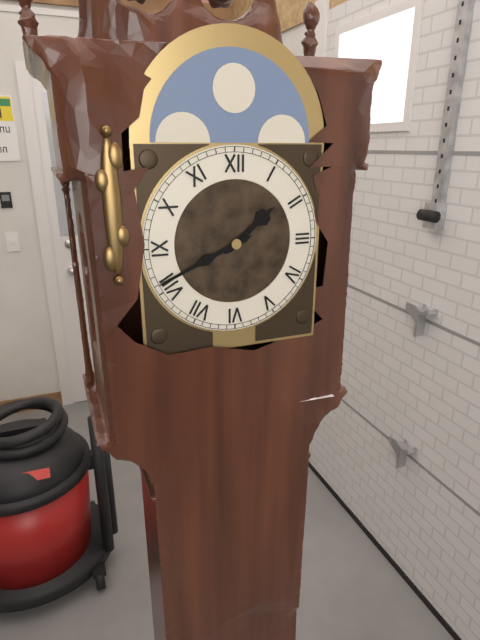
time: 1:41
